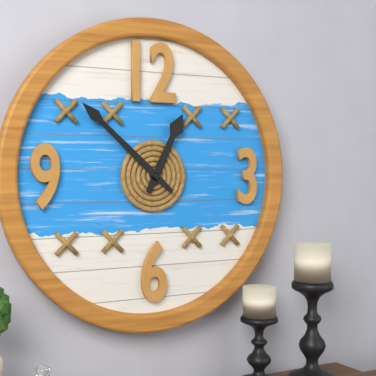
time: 12:52
